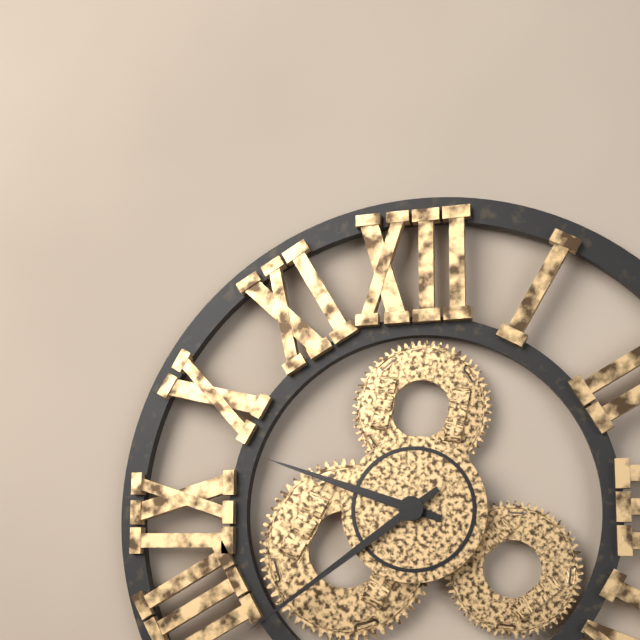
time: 9:39
